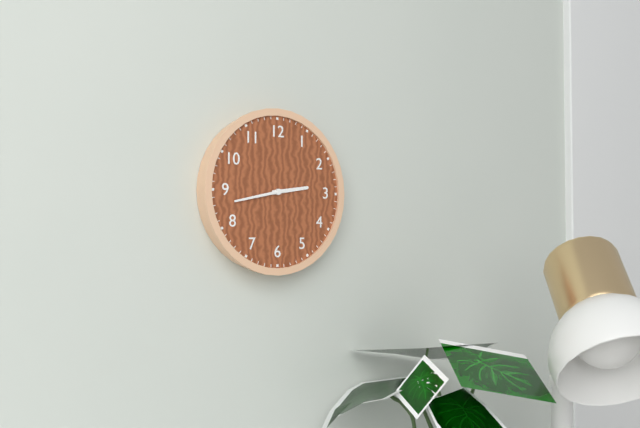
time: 2:43
